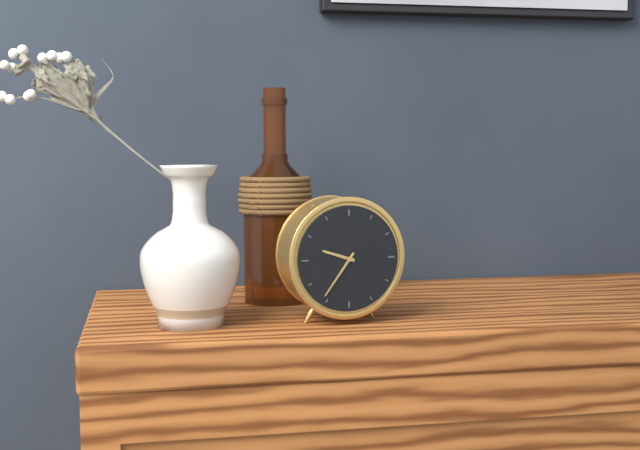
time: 9:36
